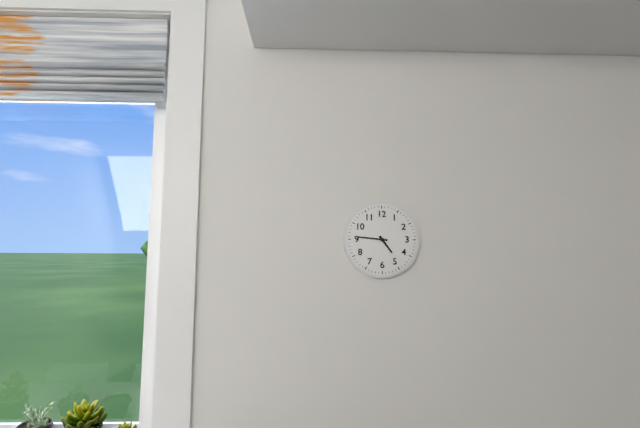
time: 4:46
